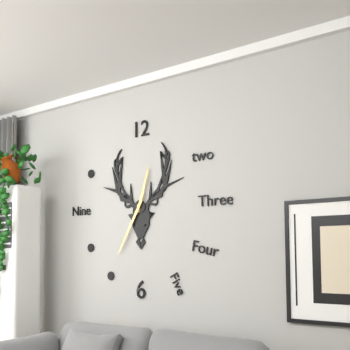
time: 12:35
